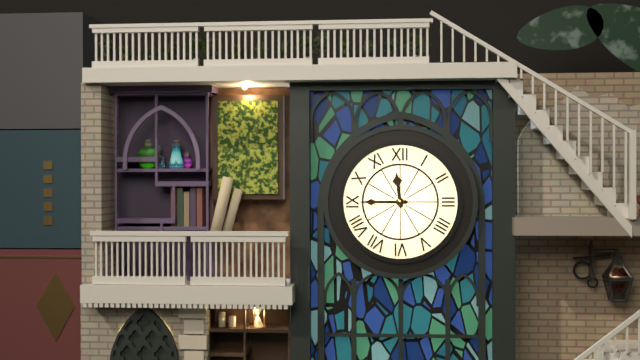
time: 11:45
